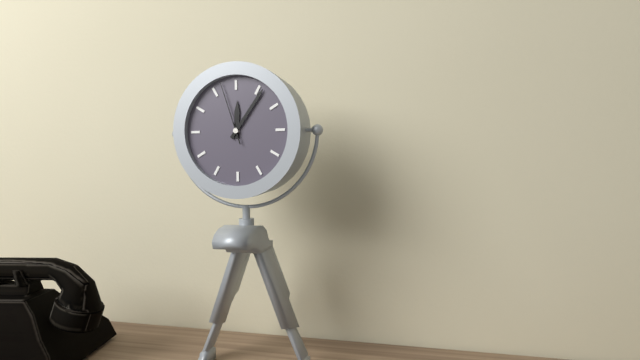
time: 12:06:57
